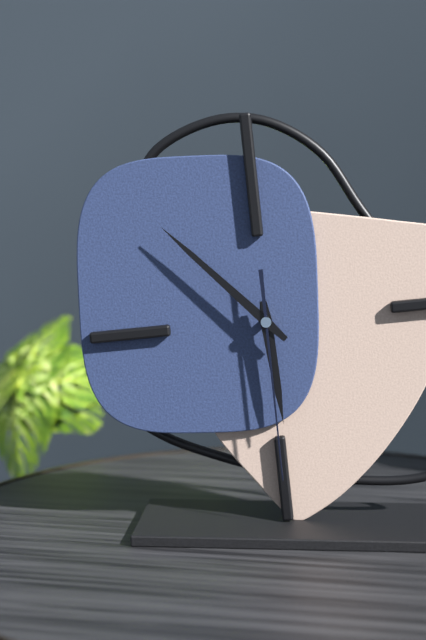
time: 5:53:30
